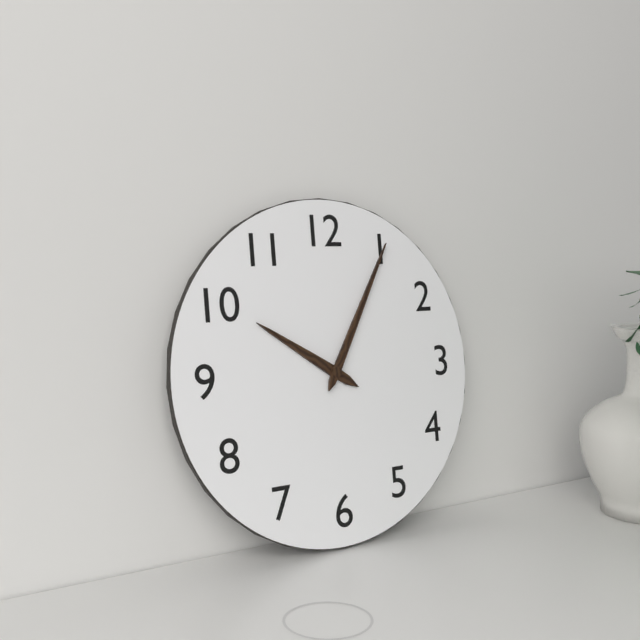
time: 10:05
